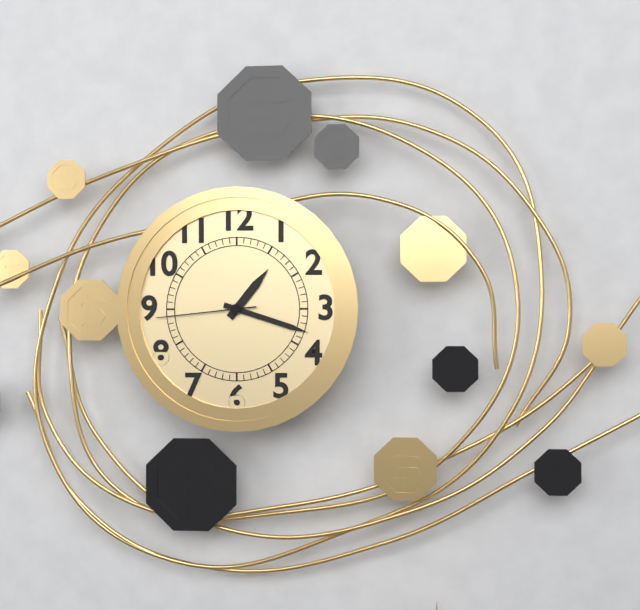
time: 1:18:44
